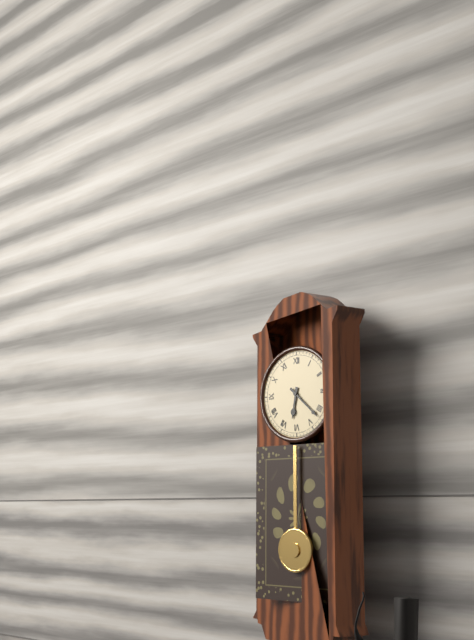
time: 6:22
